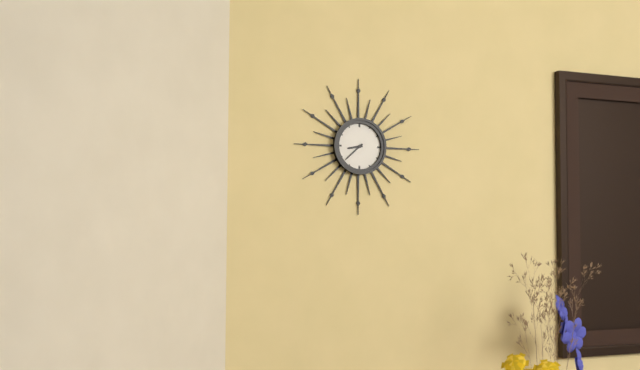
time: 8:38
